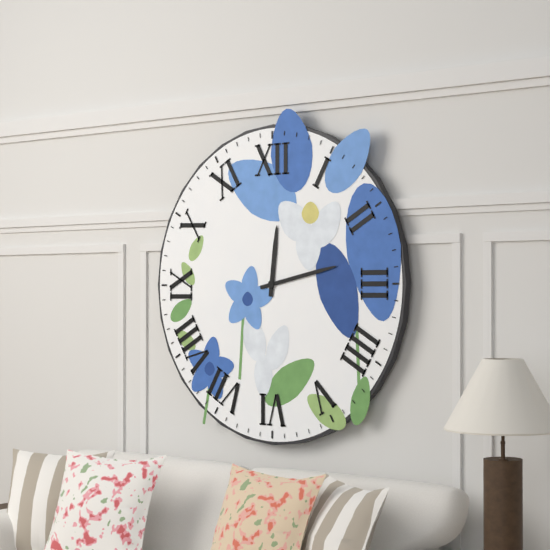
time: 12:13
